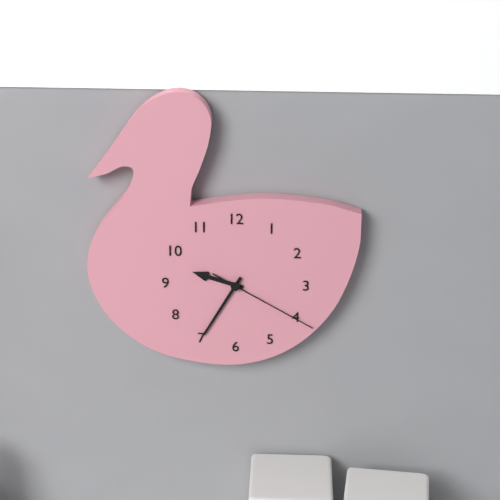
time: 9:35:20
